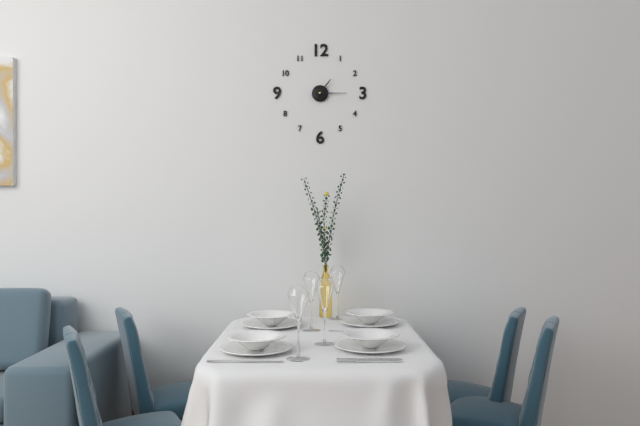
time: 1:15
